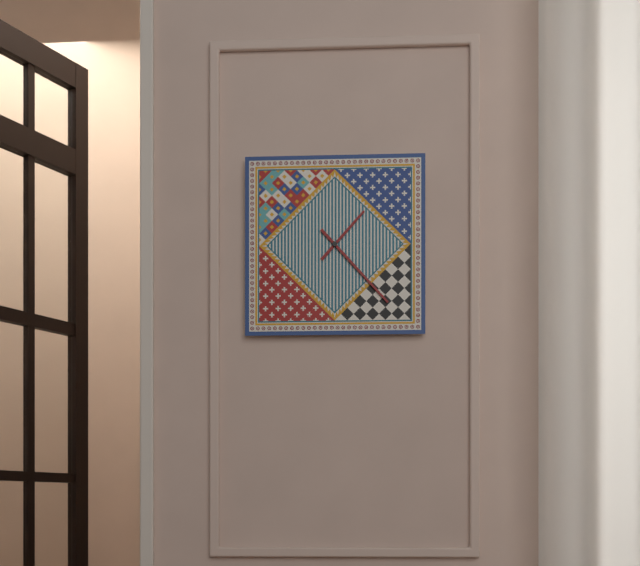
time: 1:23
